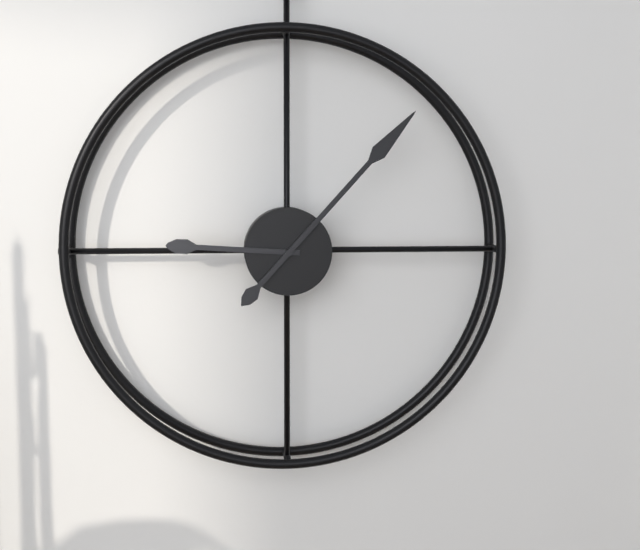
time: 9:07
